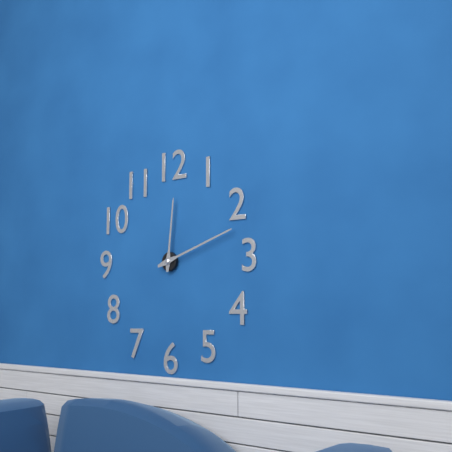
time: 12:12
